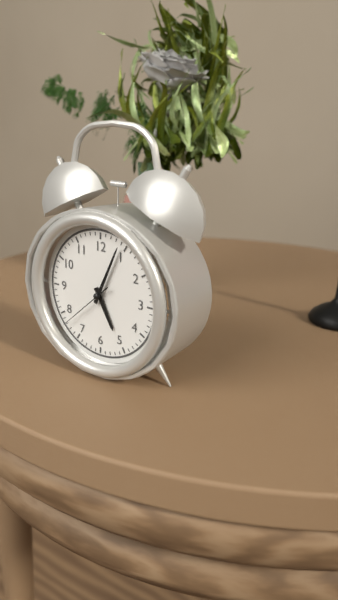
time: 5:04:38
